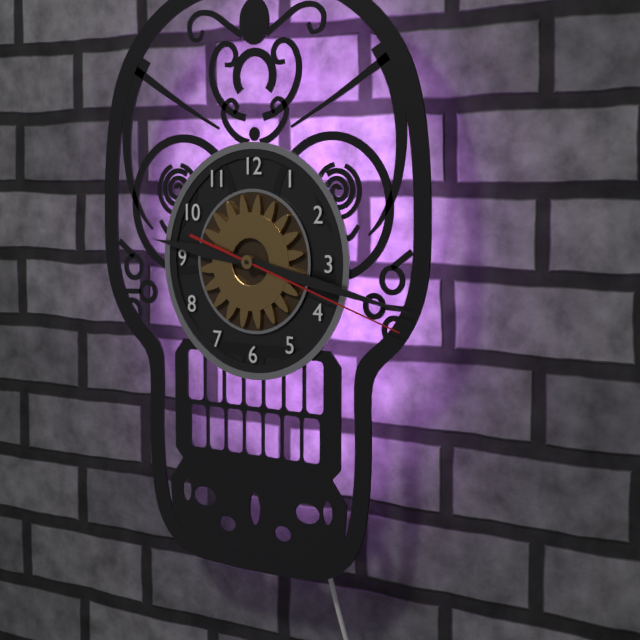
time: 9:17:18
